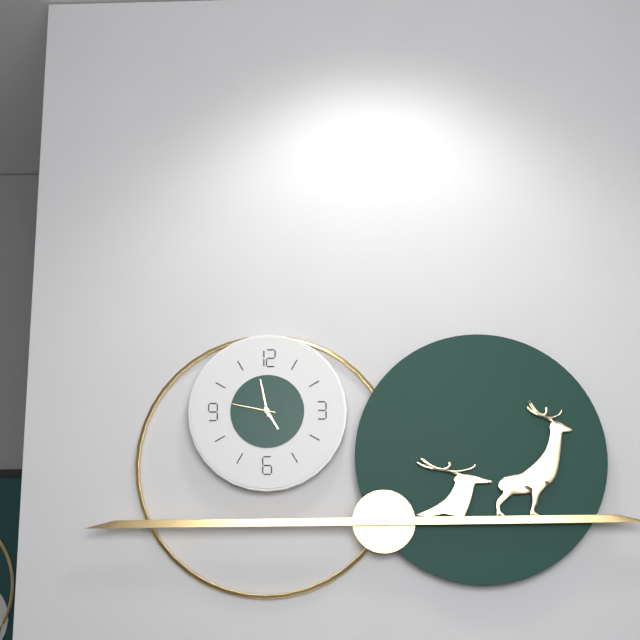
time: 4:58
